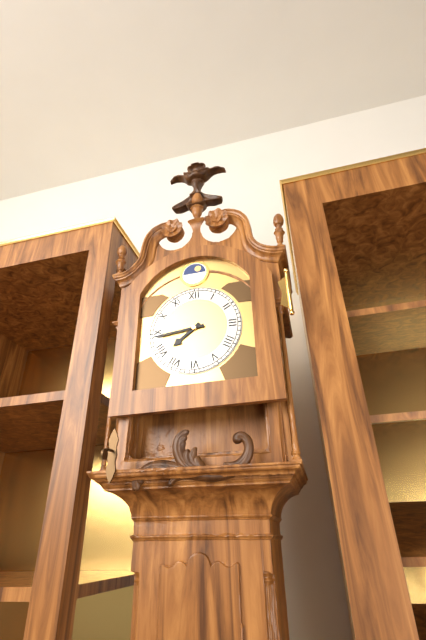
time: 7:44
